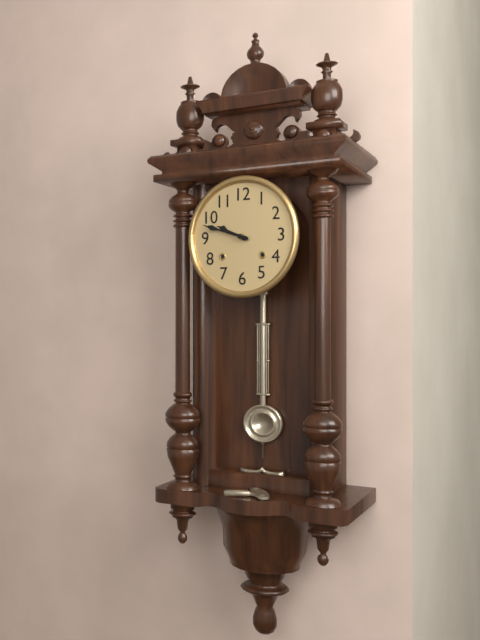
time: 9:48
